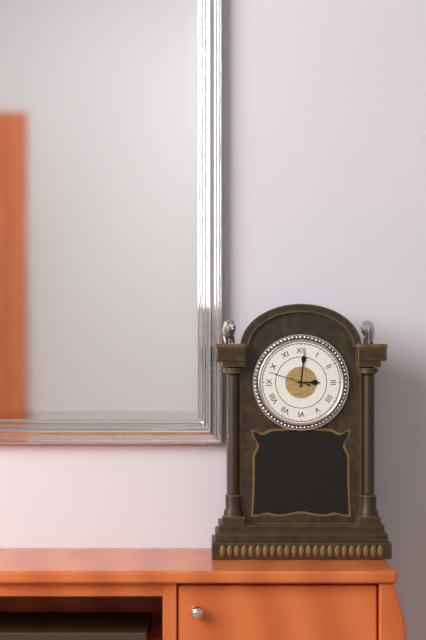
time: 3:01
